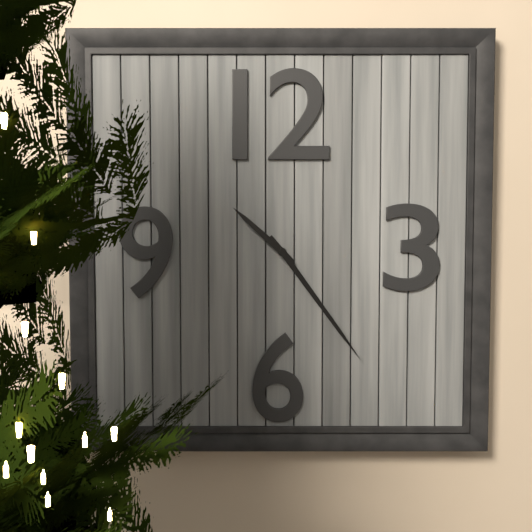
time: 10:24
